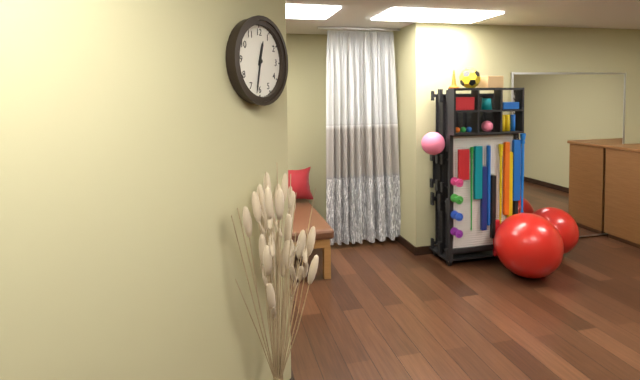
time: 12:32
